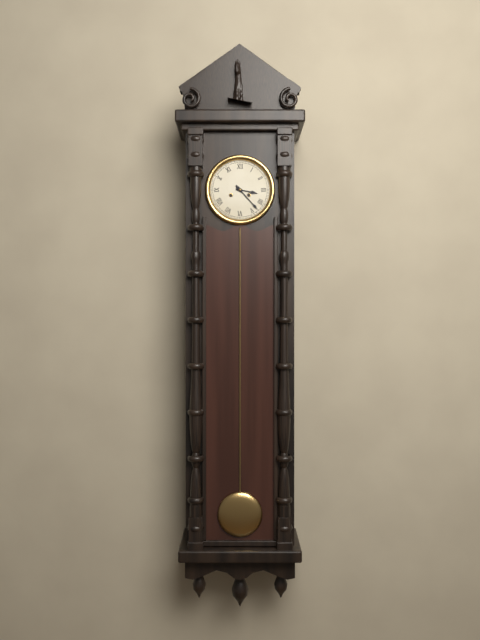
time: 3:23
